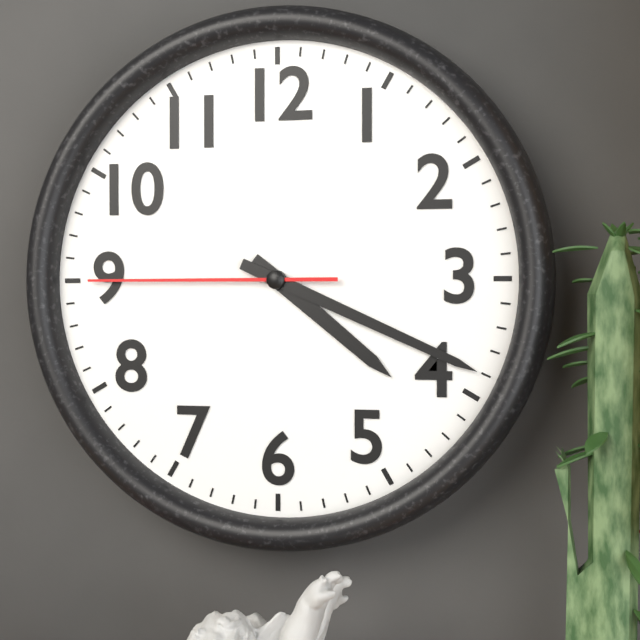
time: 4:19:45
